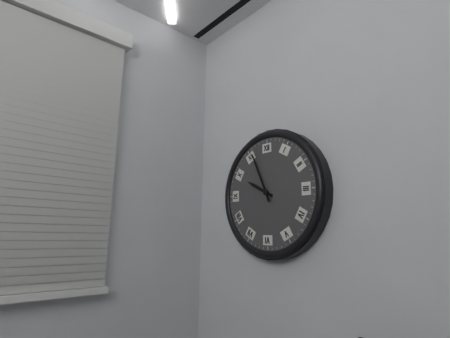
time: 9:56
